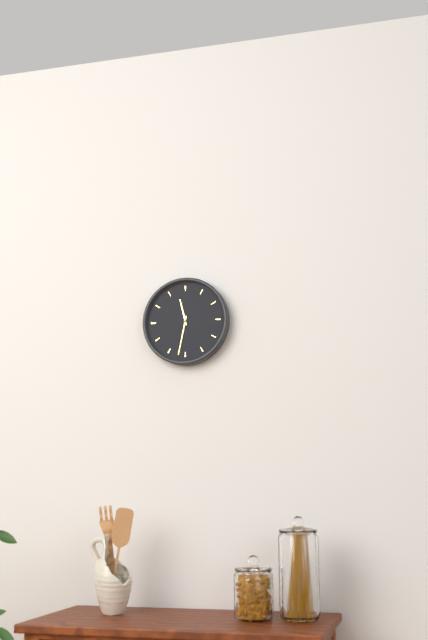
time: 11:32
